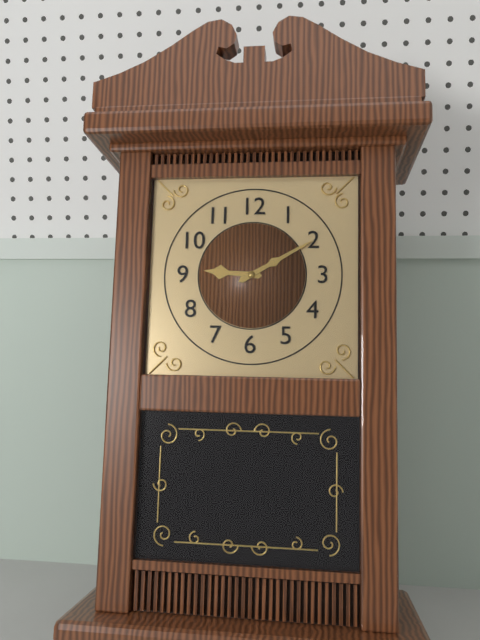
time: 9:10
